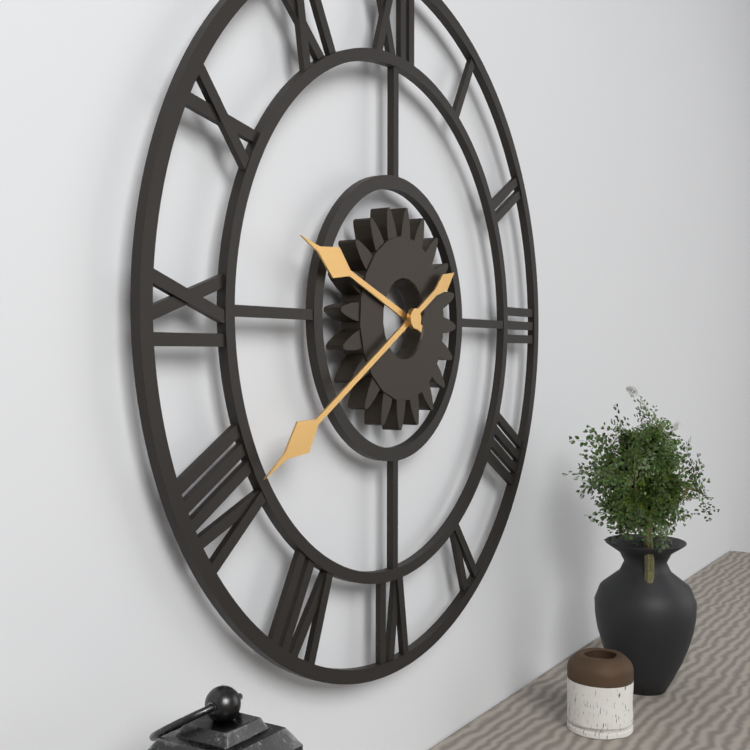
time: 9:40
